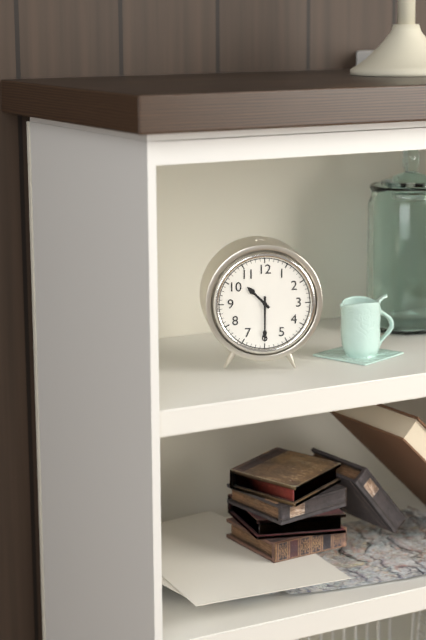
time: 10:30
